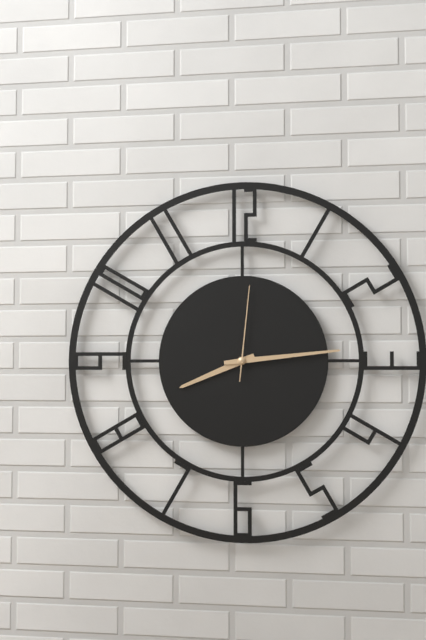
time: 8:14:01
